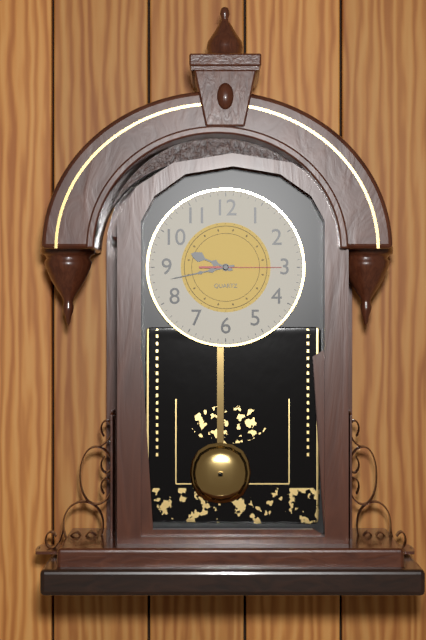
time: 9:43:15
